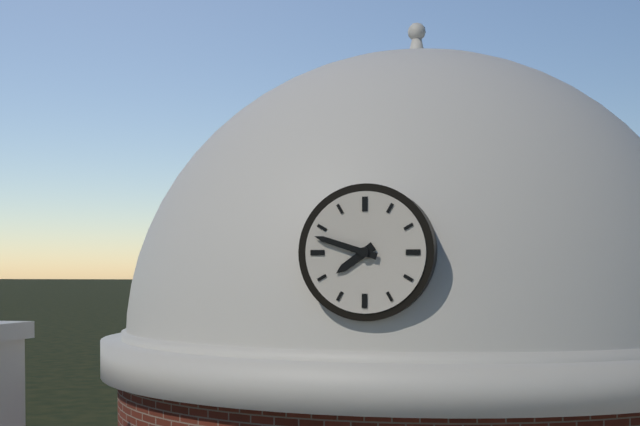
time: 7:48
